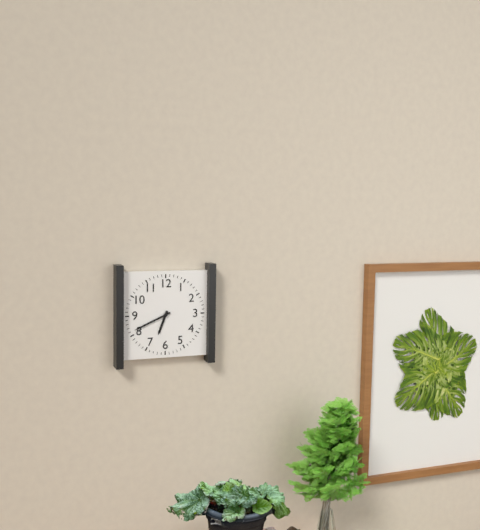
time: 6:41
